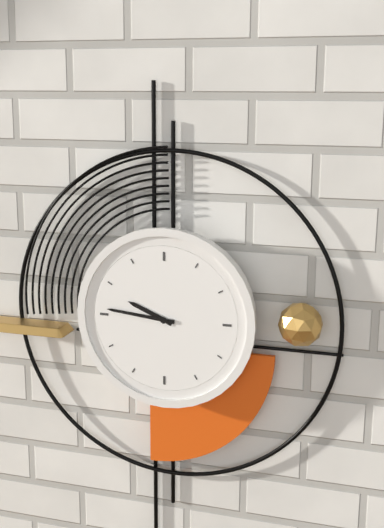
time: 9:46
